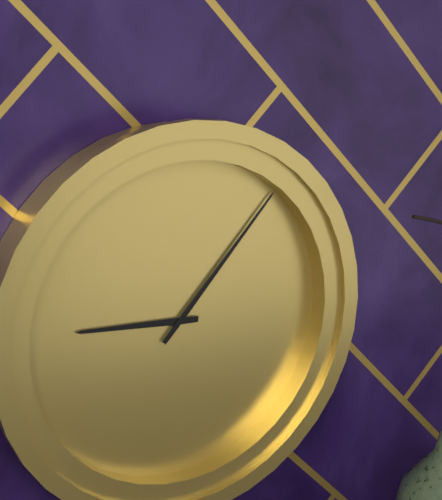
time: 9:07
